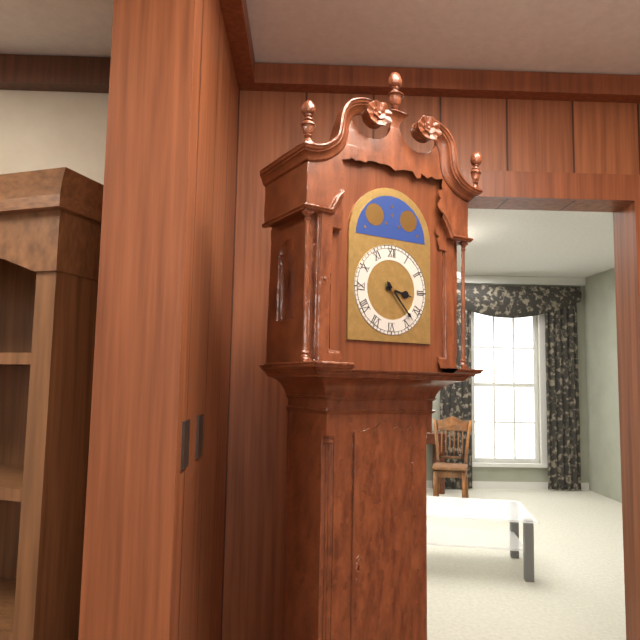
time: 3:23
